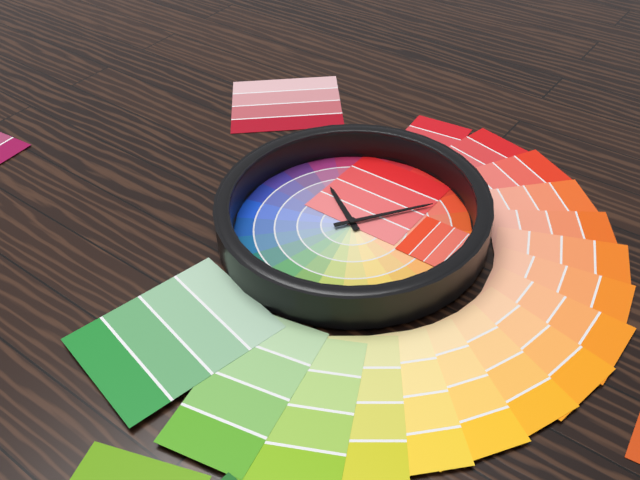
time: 10:06
